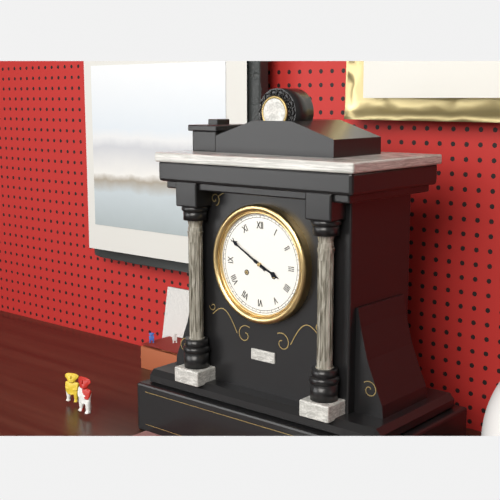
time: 3:50
